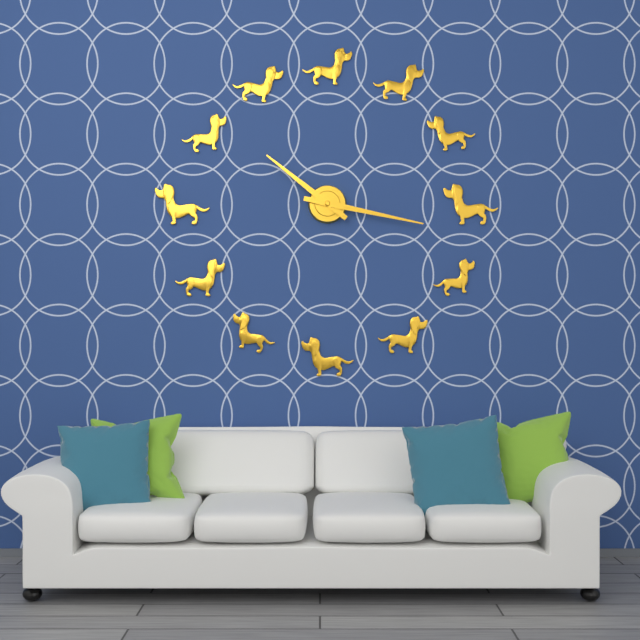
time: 10:17
